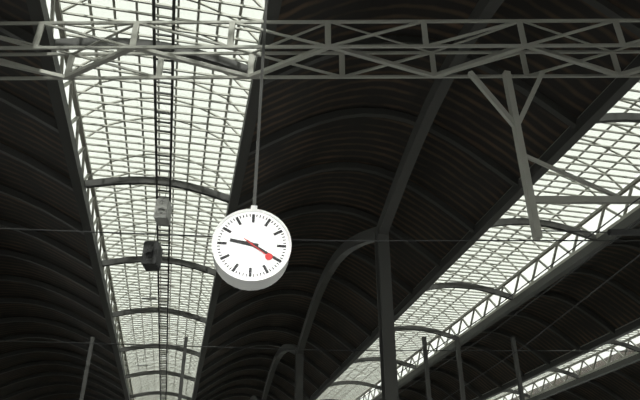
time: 9:20
